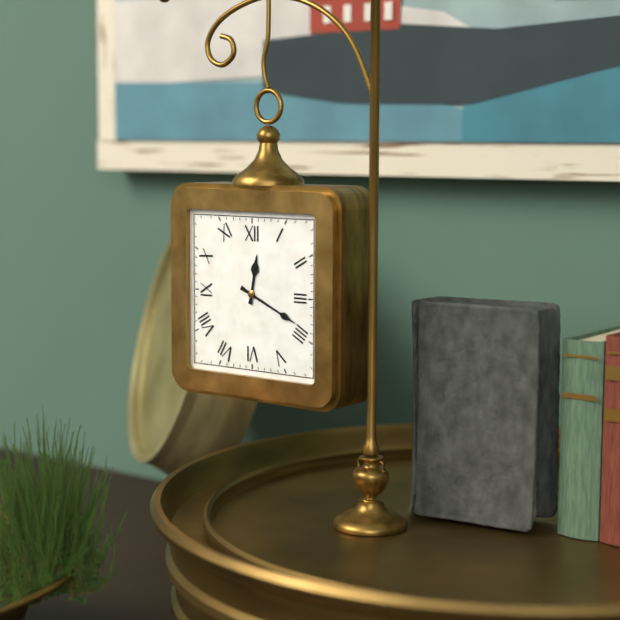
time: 12:19
